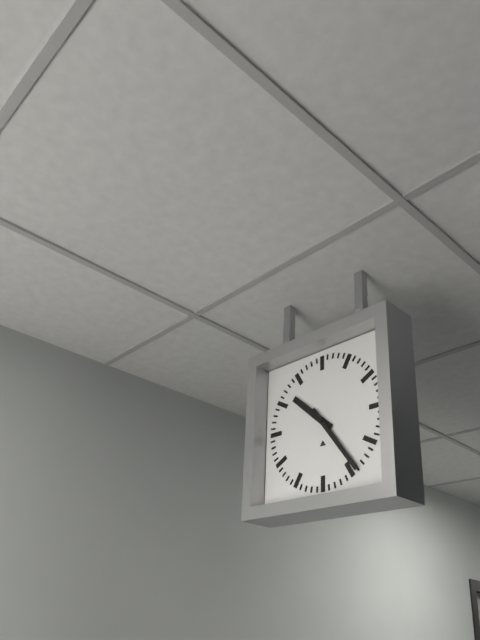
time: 10:24
